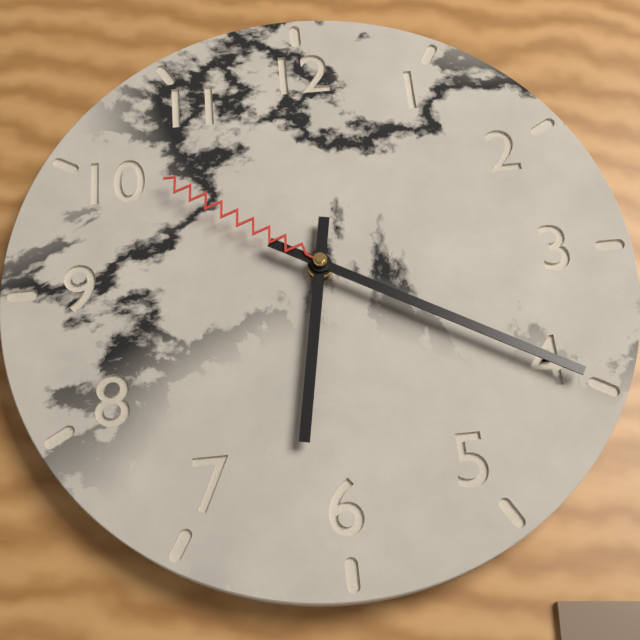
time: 6:20:51
